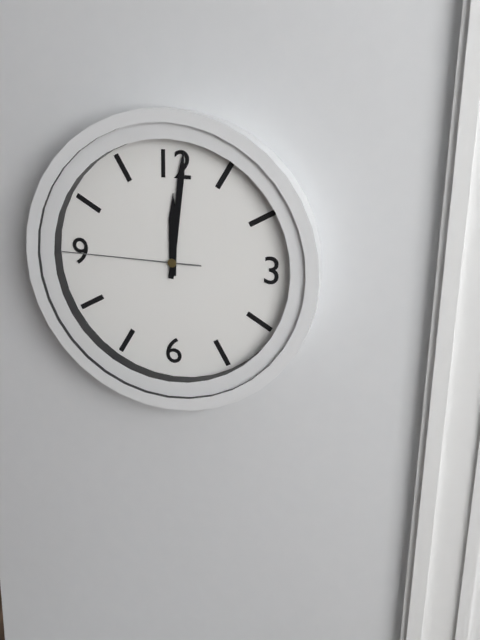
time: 12:01:45
